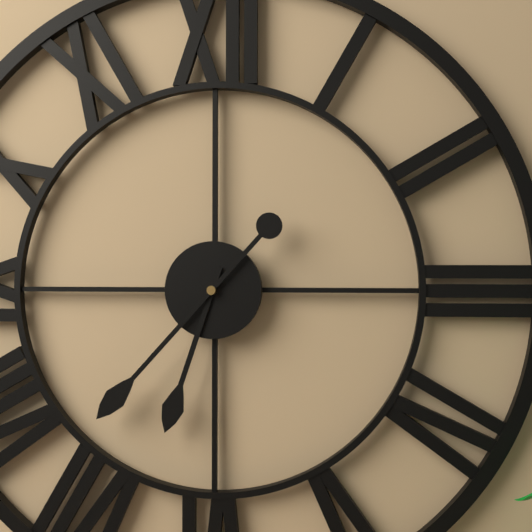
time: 6:37
